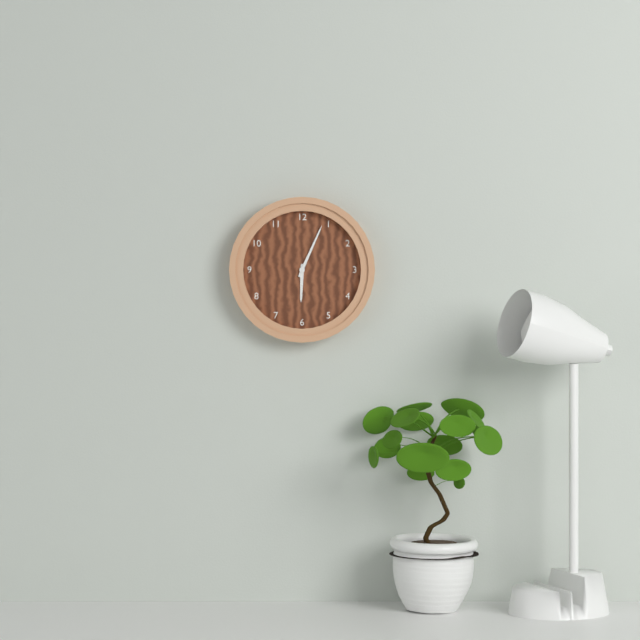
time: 6:04
